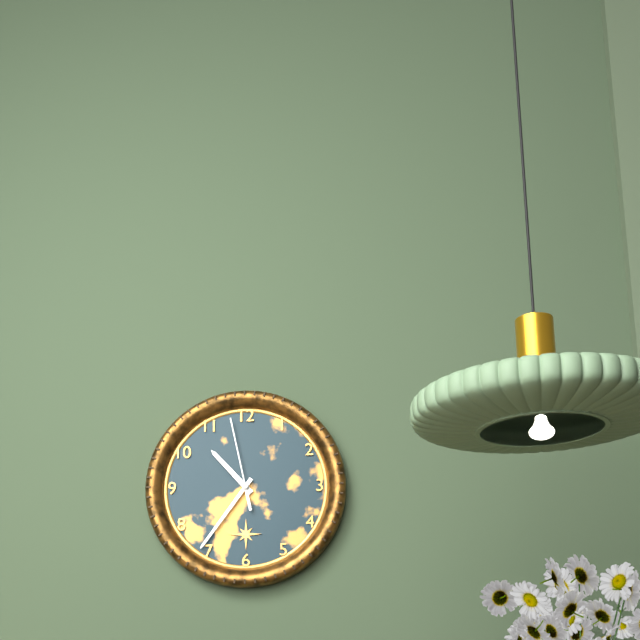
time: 10:36:58
